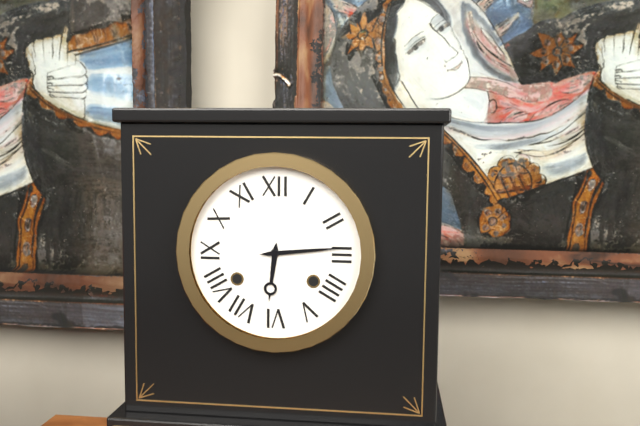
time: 6:14
